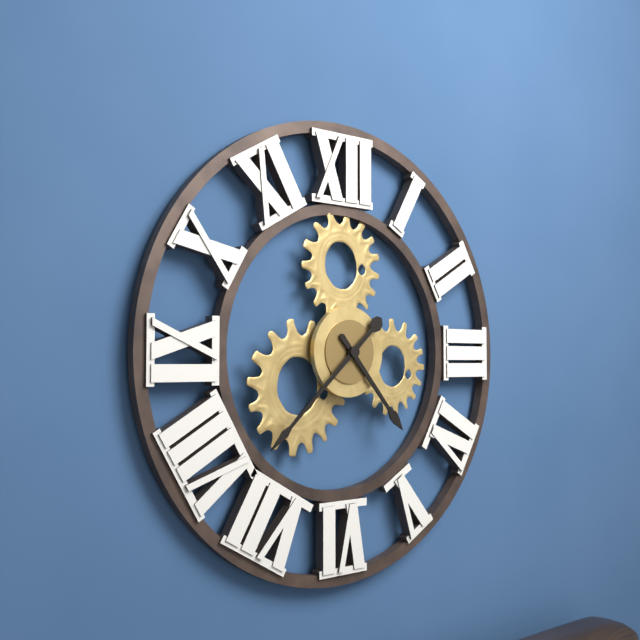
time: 4:38
